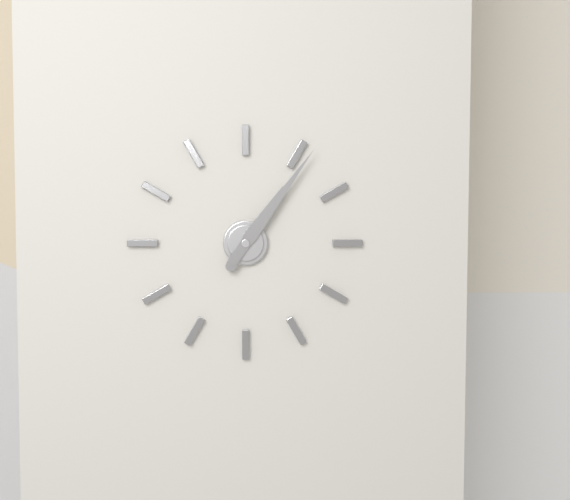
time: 1:06
